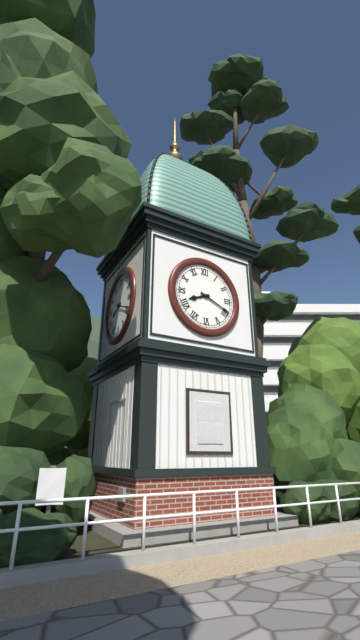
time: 8:19
